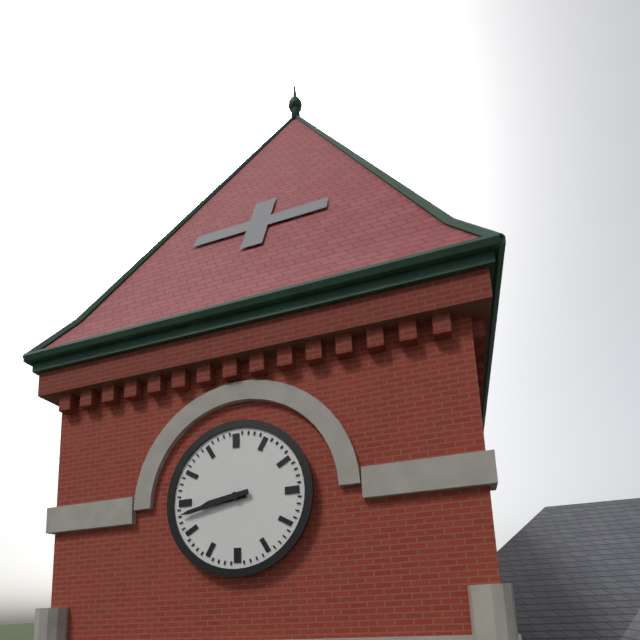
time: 8:43
